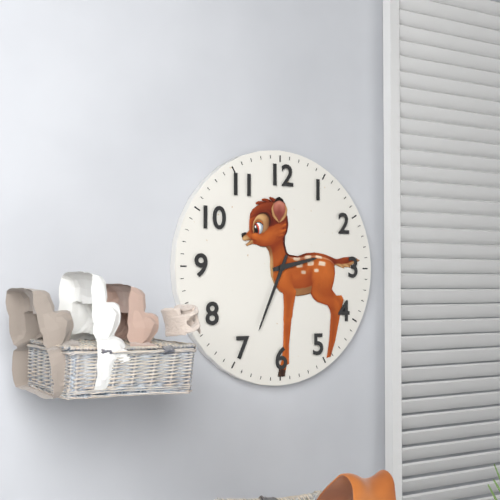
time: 2:34
